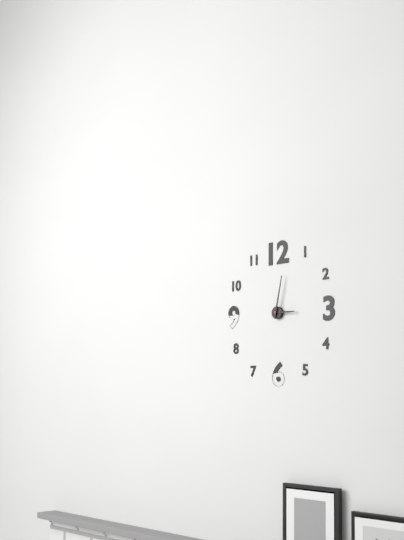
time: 3:02
